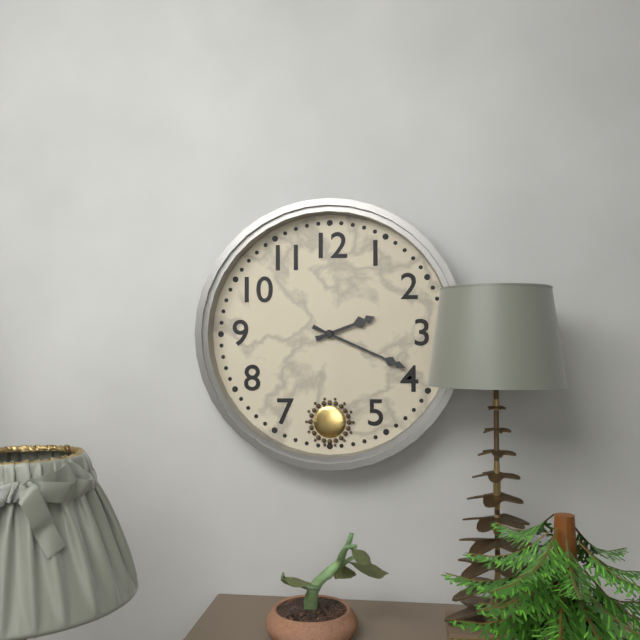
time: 2:19
